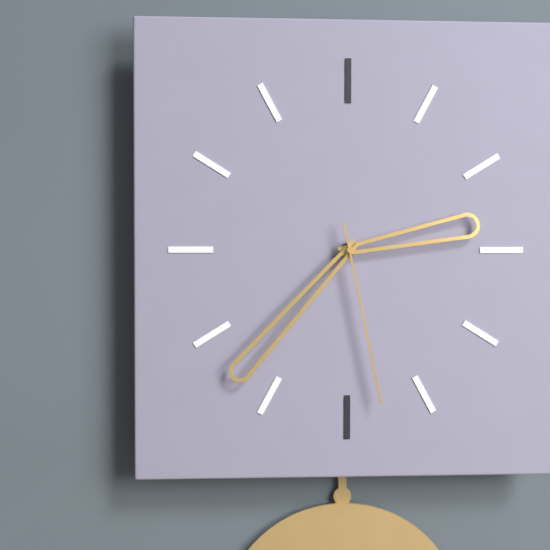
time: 2:37:28
